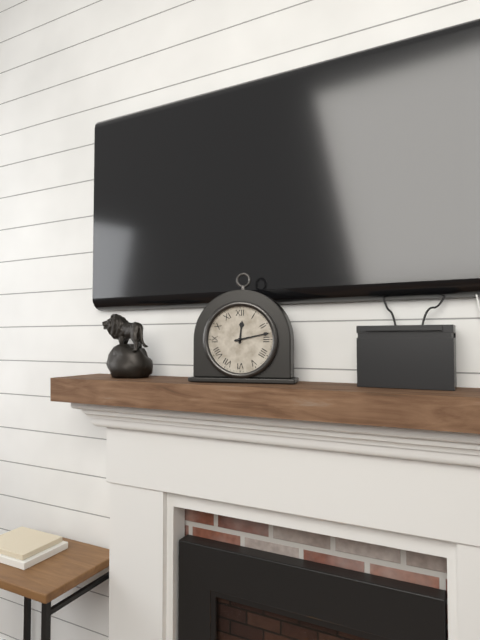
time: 12:13
